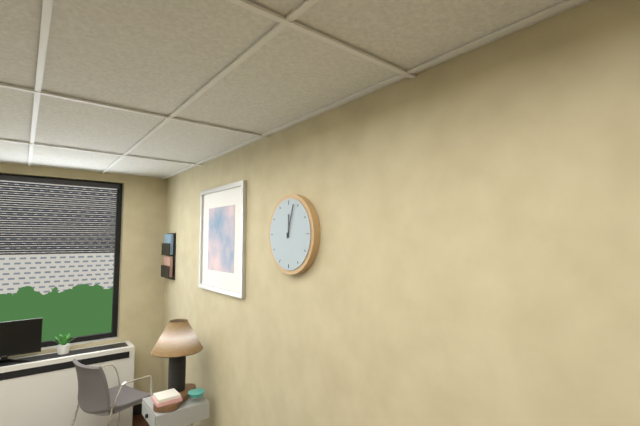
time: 12:03
